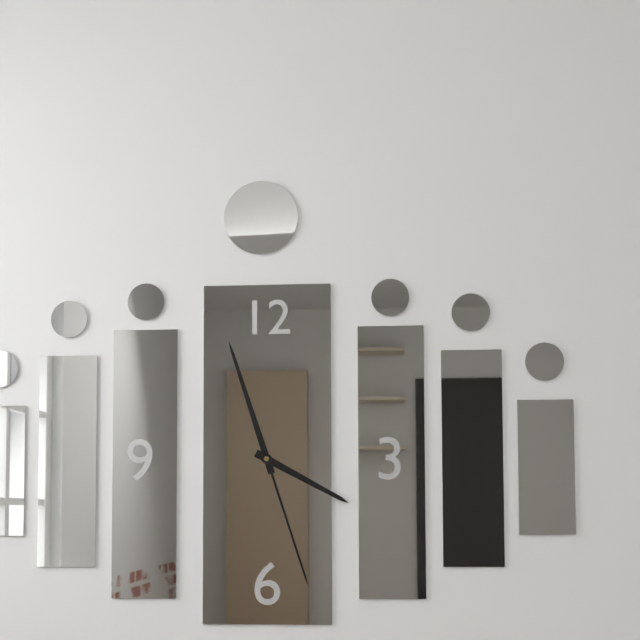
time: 3:57:27
